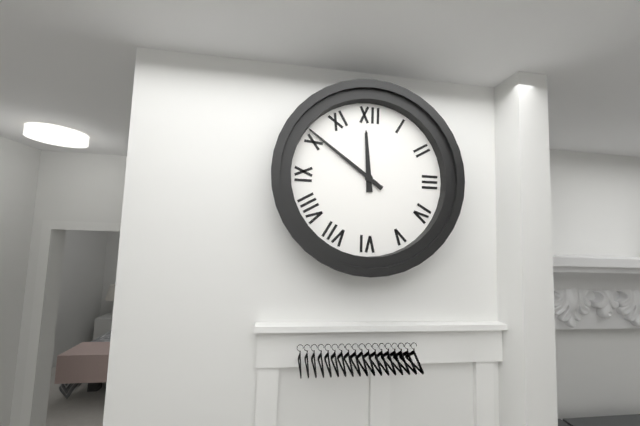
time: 11:51
